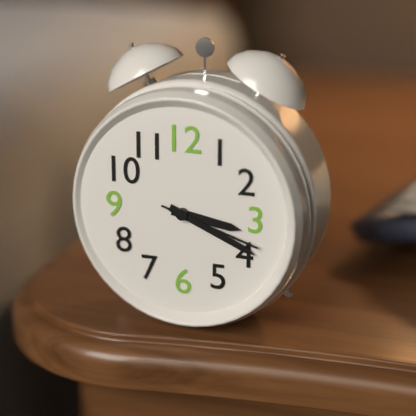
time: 3:19:18
